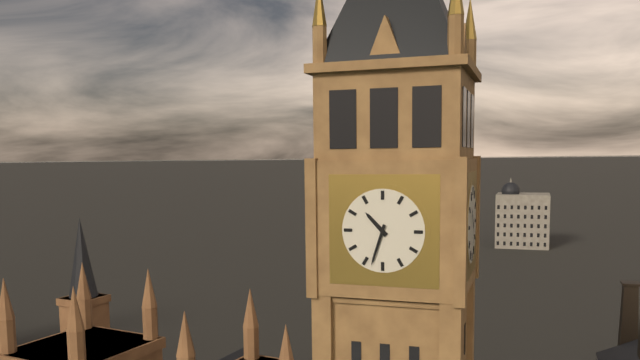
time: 10:33
